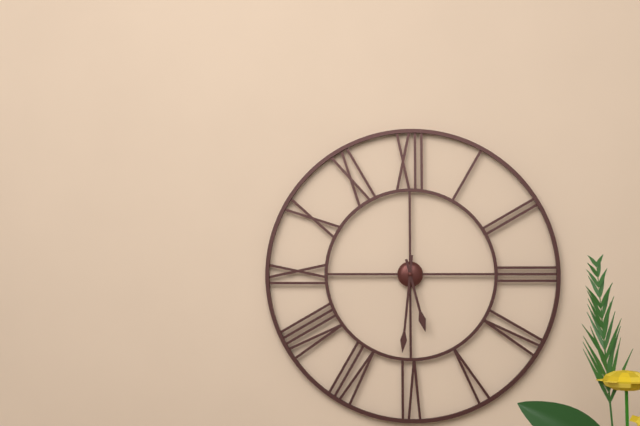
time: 5:31
